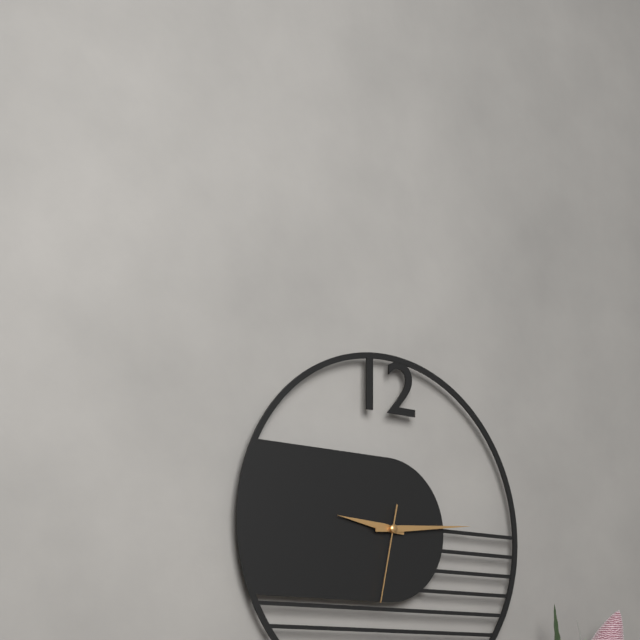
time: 9:14:32
